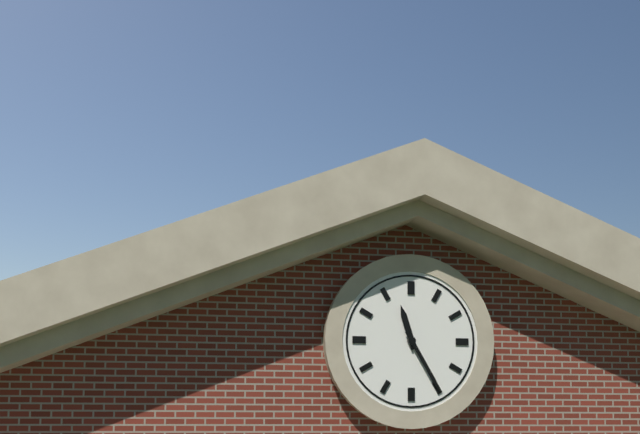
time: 11:25
